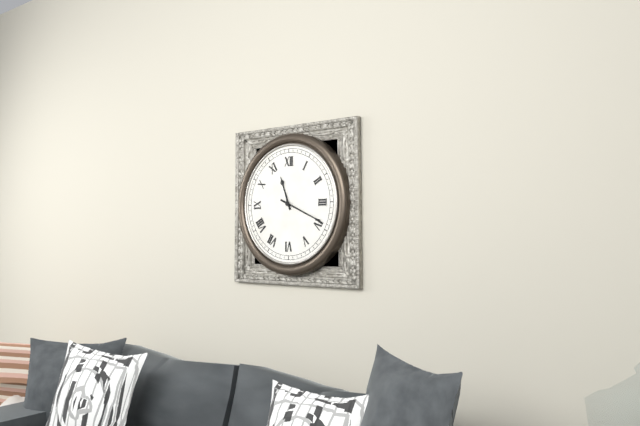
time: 11:19
